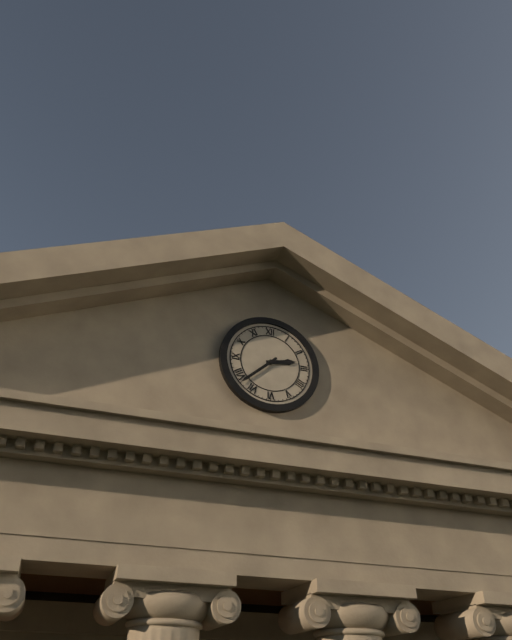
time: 2:38
